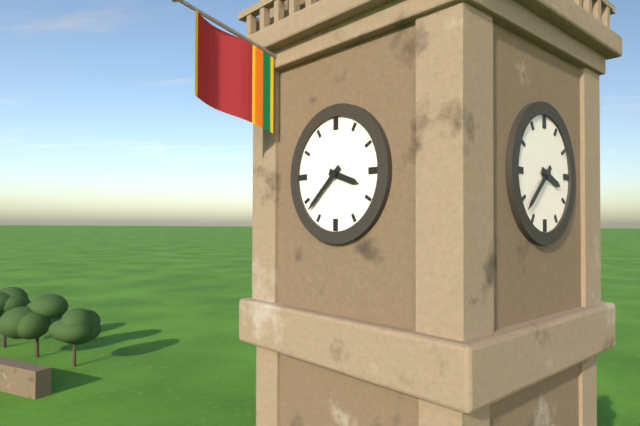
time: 3:38
